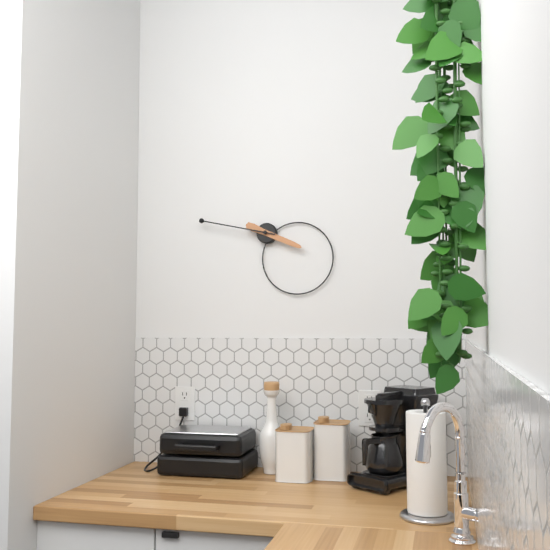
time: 3:47
